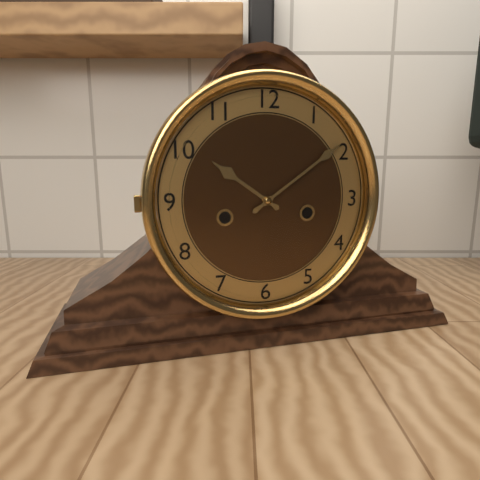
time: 10:09
